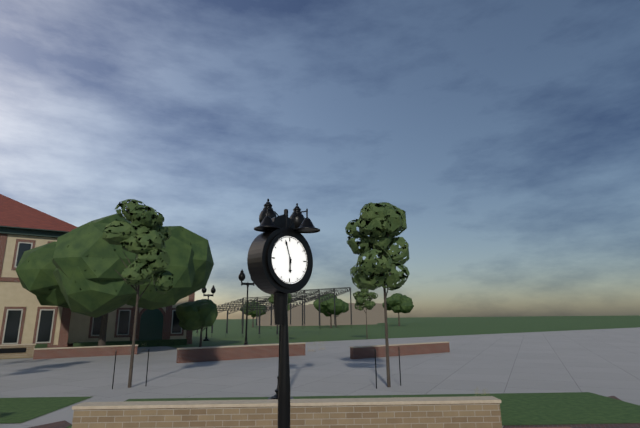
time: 5:57
